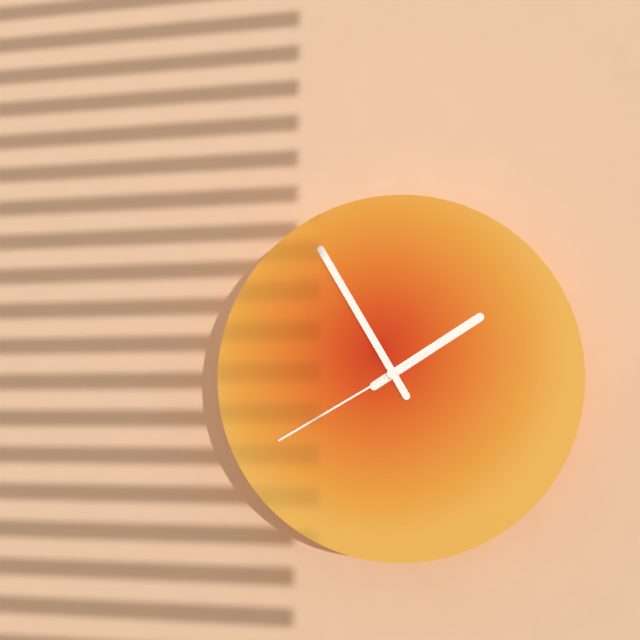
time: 1:55:40
